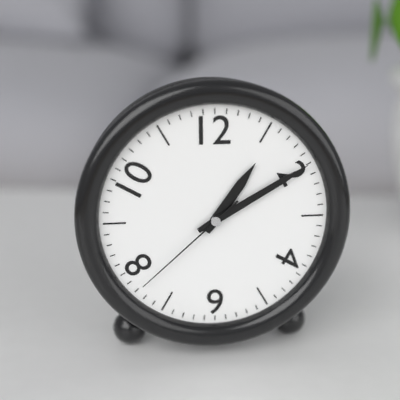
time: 1:10:38
